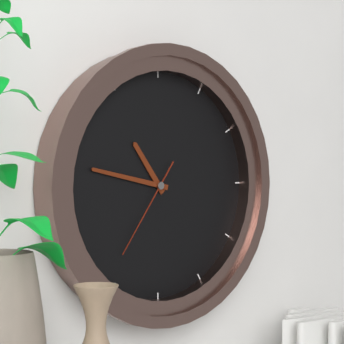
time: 10:47:36
